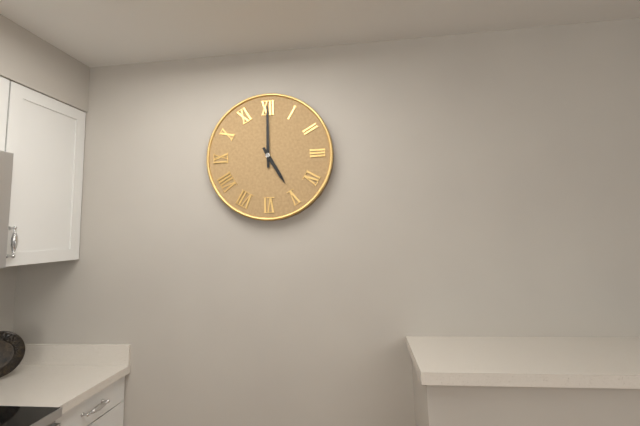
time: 5:00
